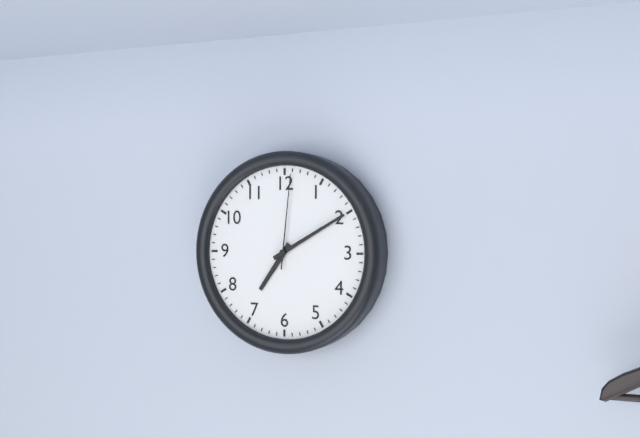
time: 7:10:01
